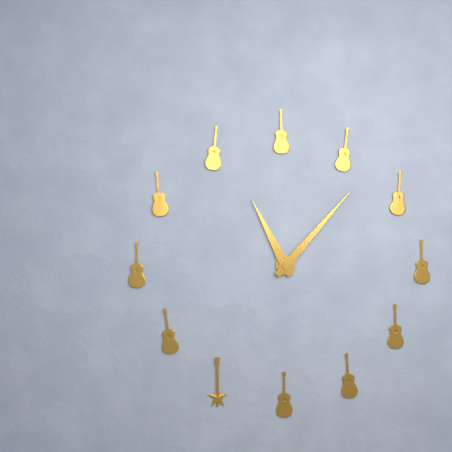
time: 11:07
